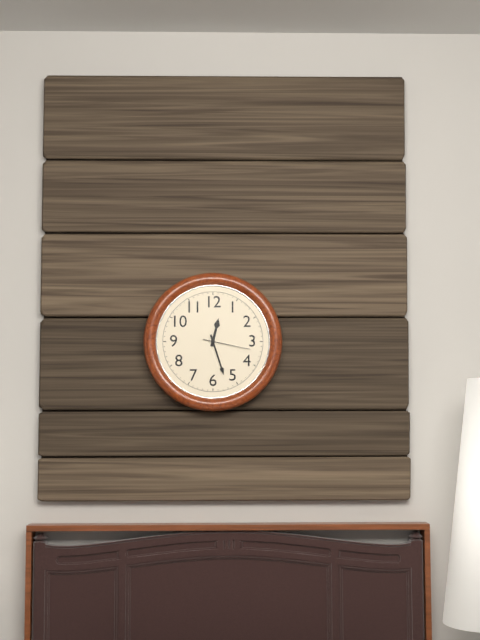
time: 12:27
